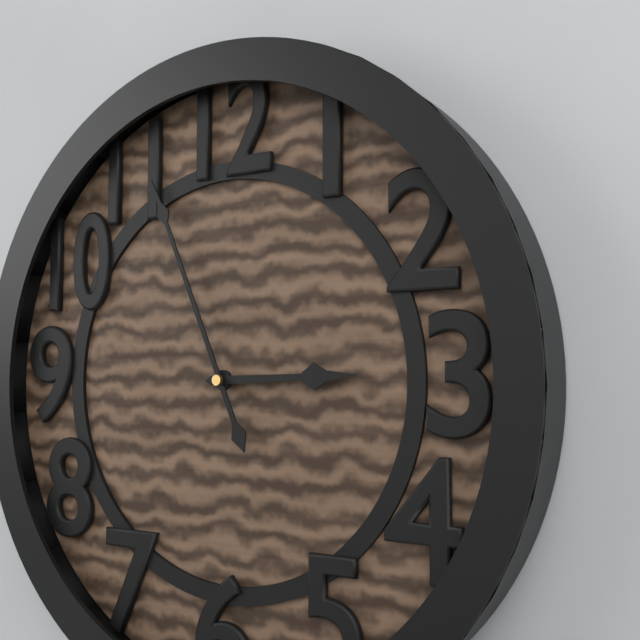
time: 2:56
